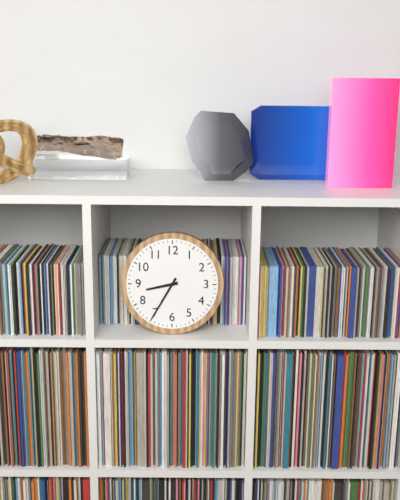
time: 8:35
